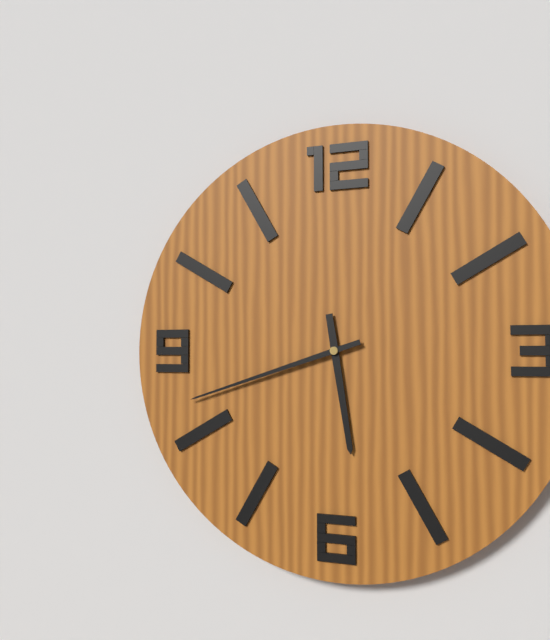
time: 5:42
